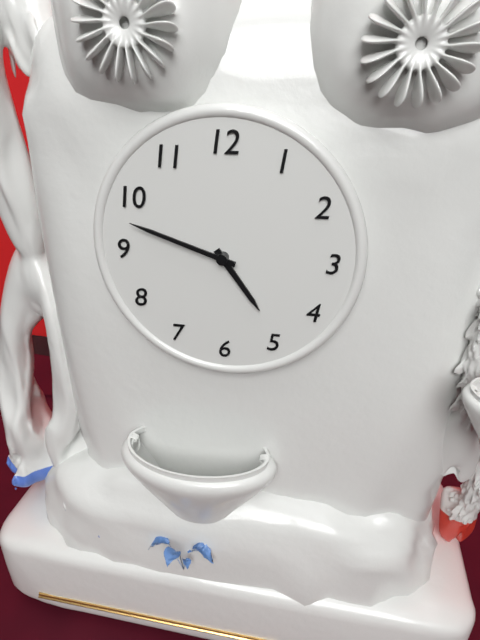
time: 4:48
